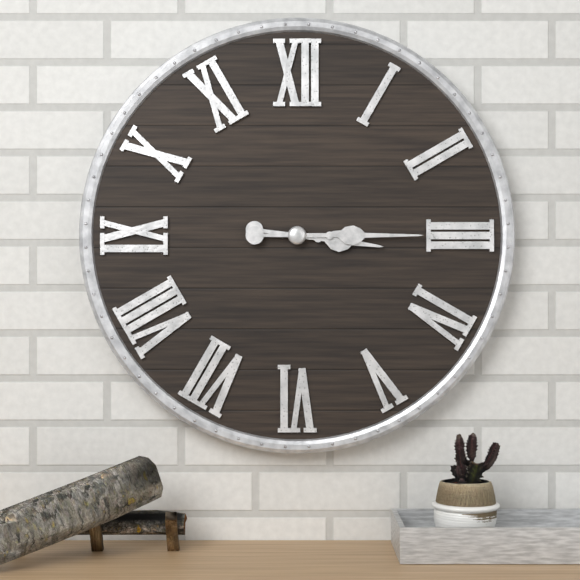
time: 3:15
